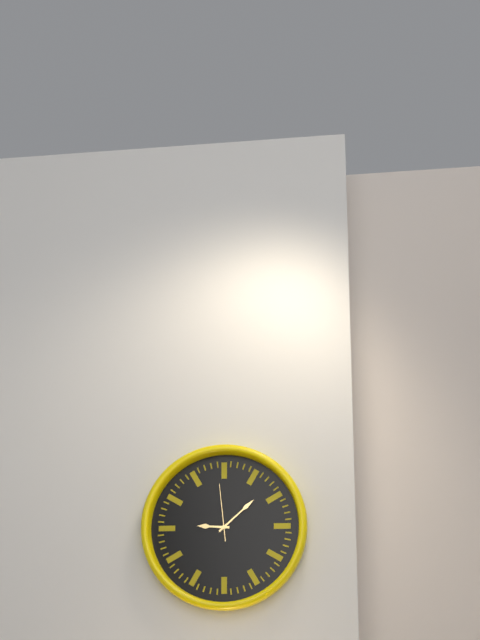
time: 9:08:59
